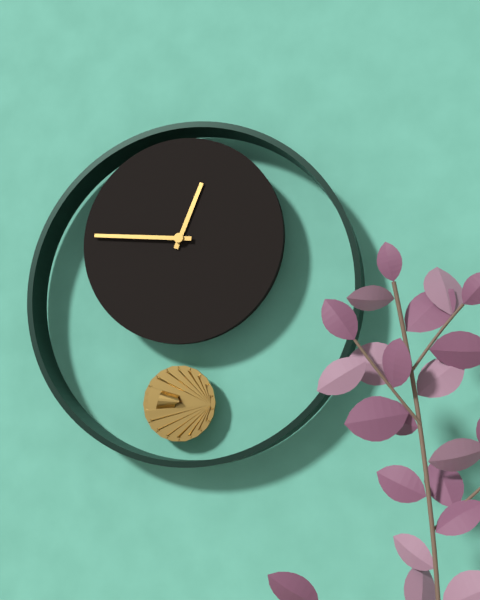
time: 12:46
